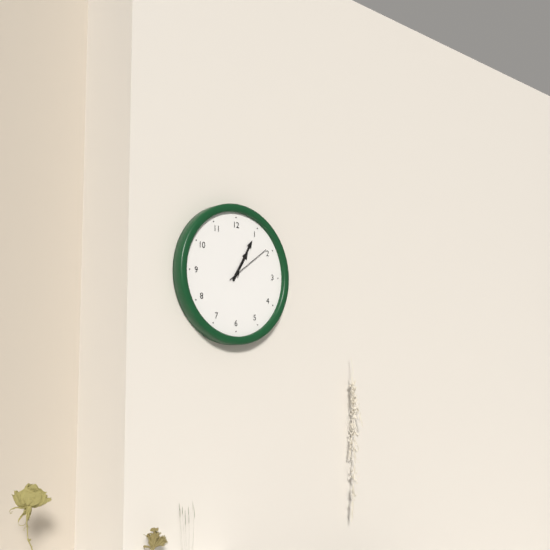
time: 1:05
